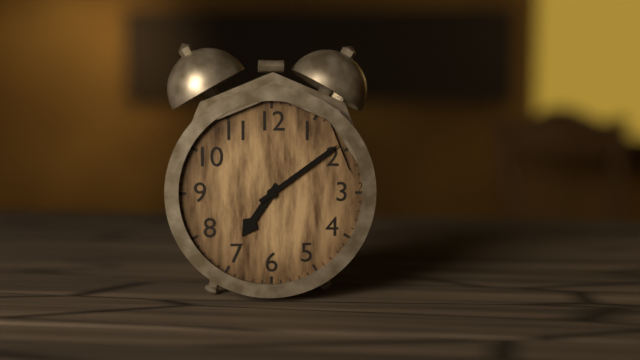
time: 7:09
